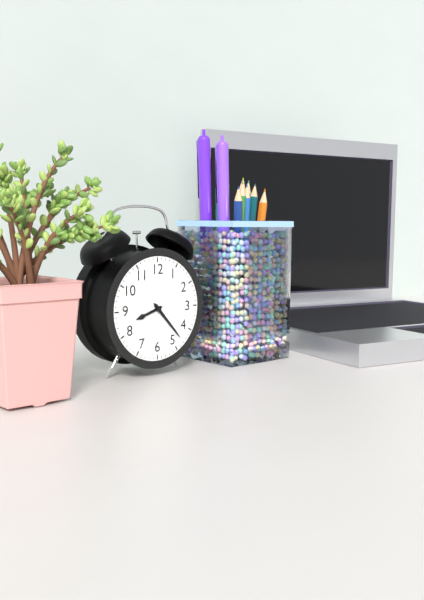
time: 8:23
